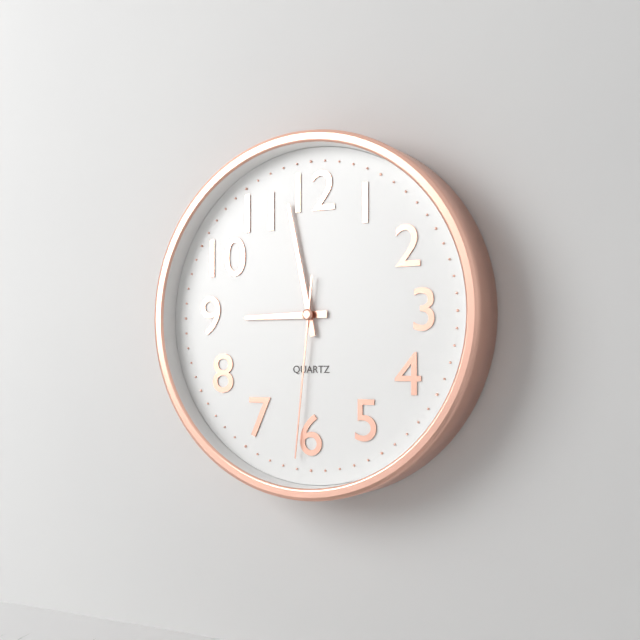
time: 8:58:31
